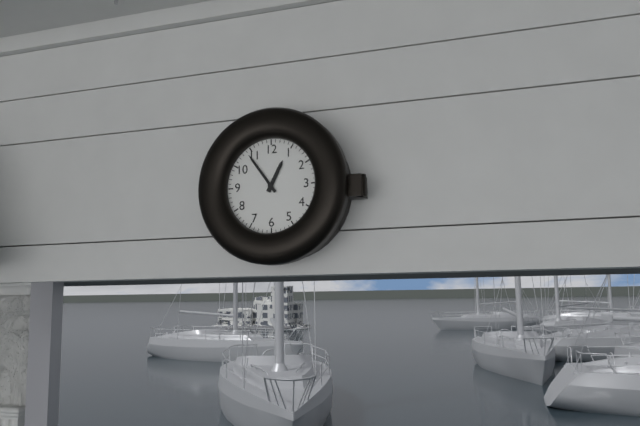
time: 12:54
